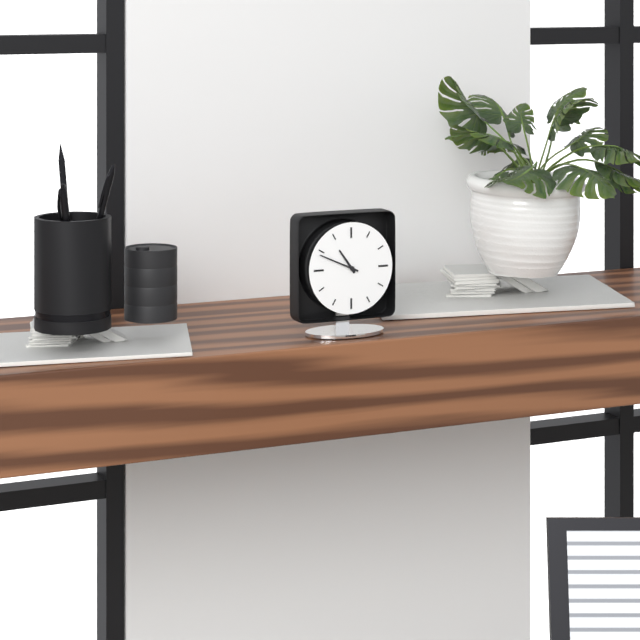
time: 10:49
